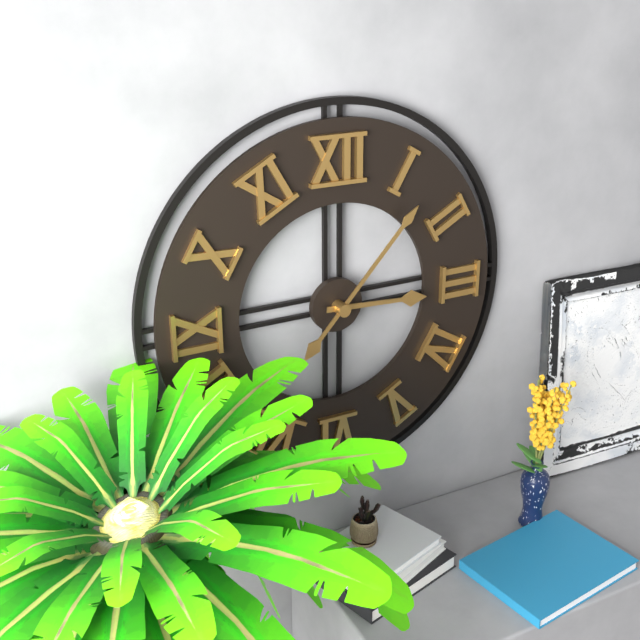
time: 3:07
